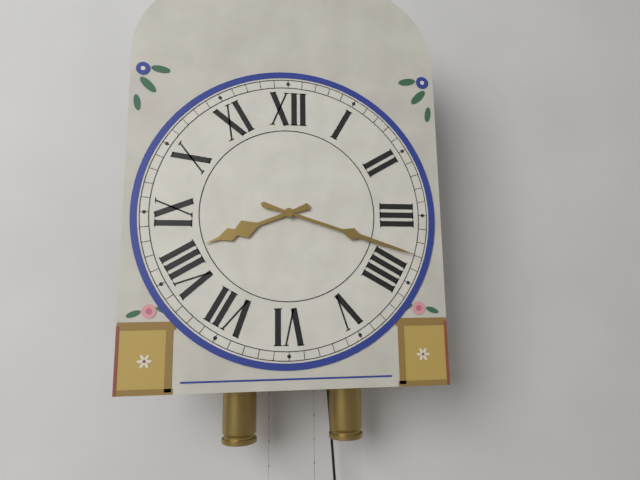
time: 8:18
